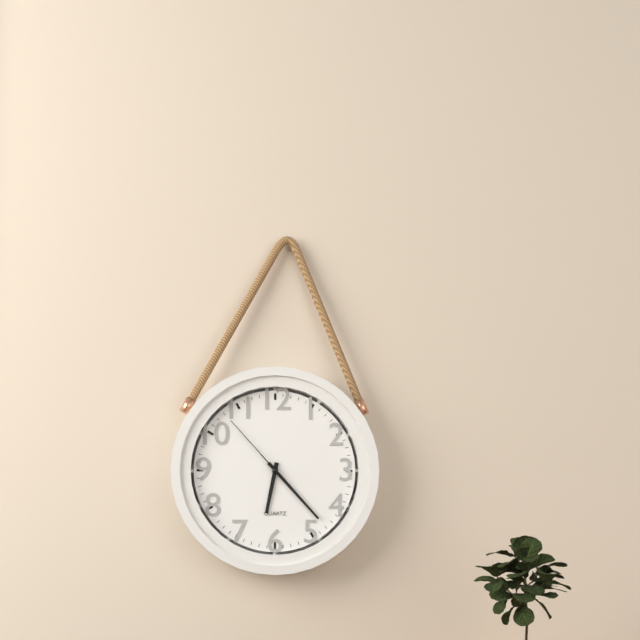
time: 6:23:53
